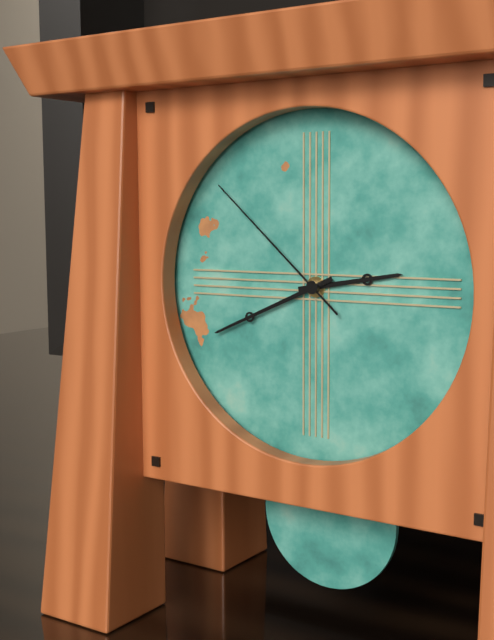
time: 2:41:52
